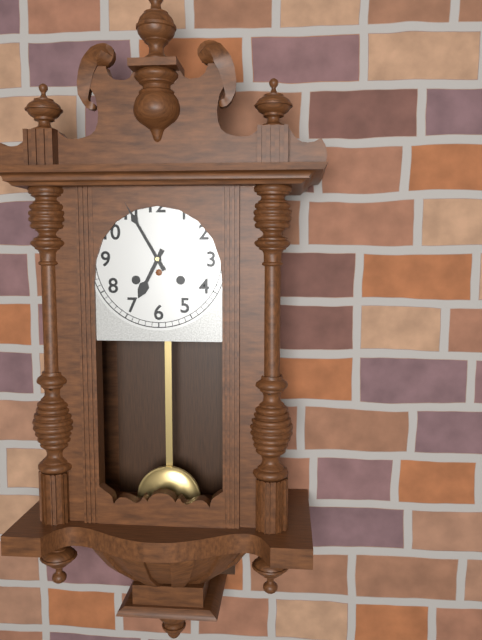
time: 6:55
